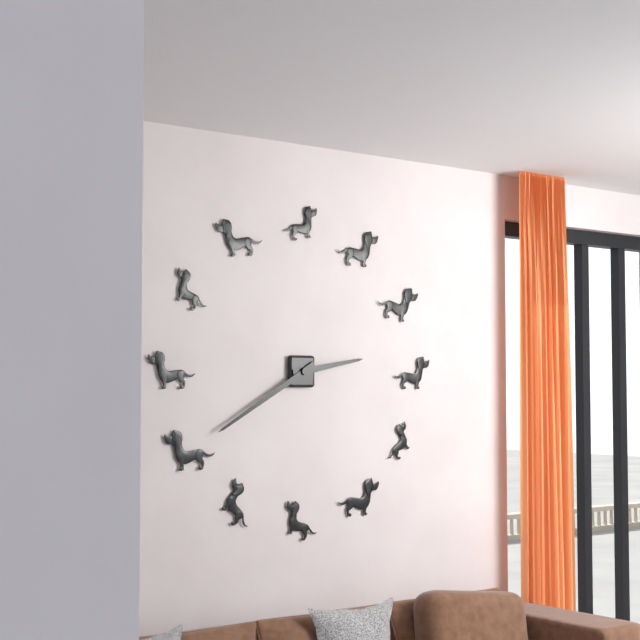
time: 2:40
